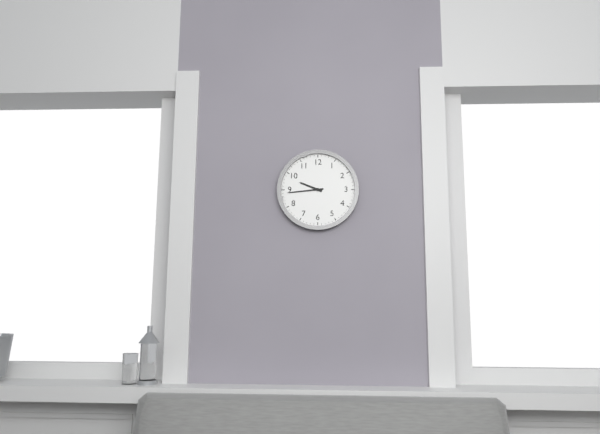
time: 9:44
